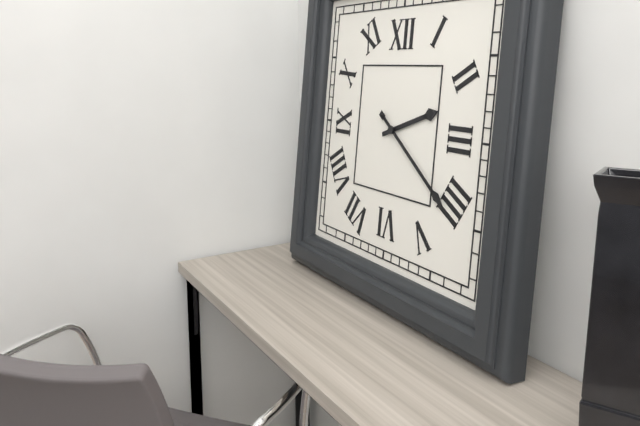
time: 2:21
